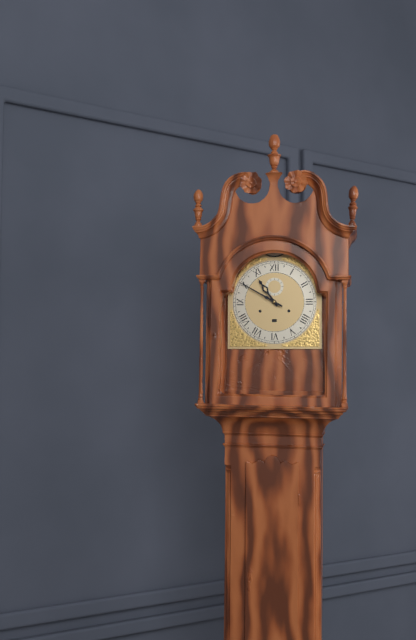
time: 10:50
